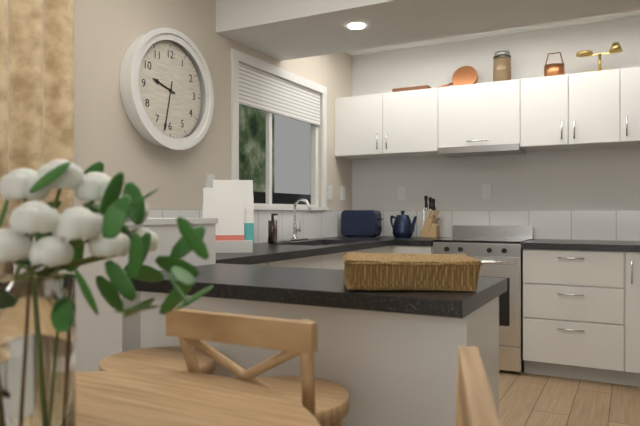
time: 9:32
